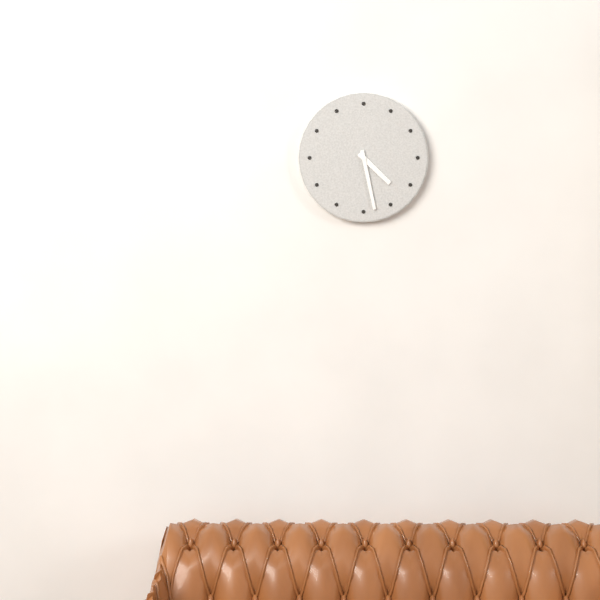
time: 4:28
